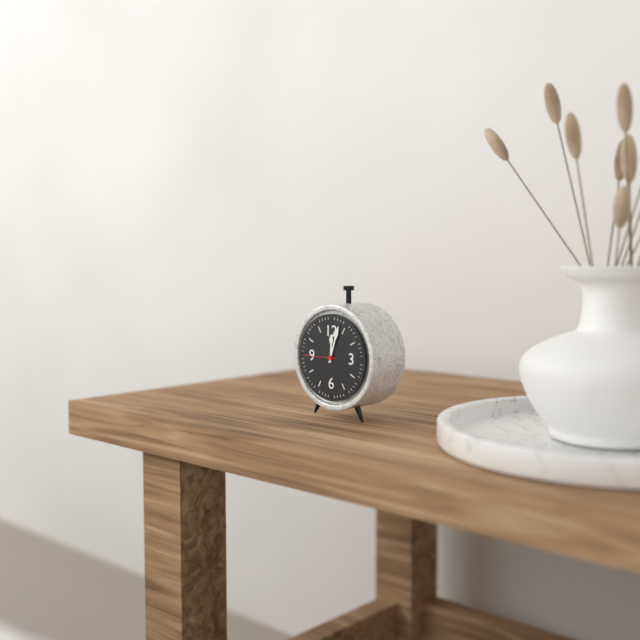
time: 12:03
